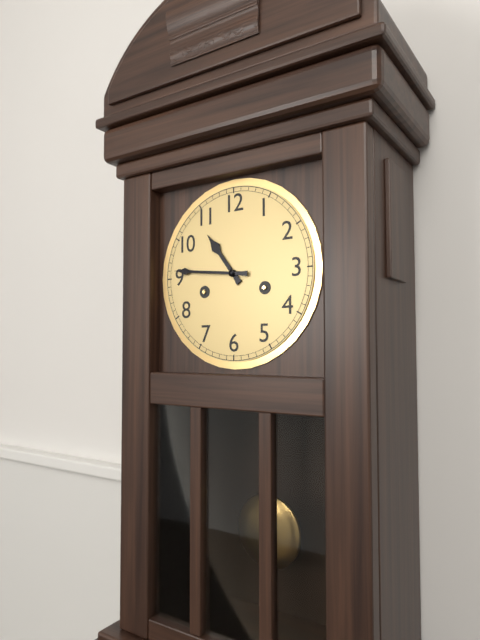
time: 10:46
